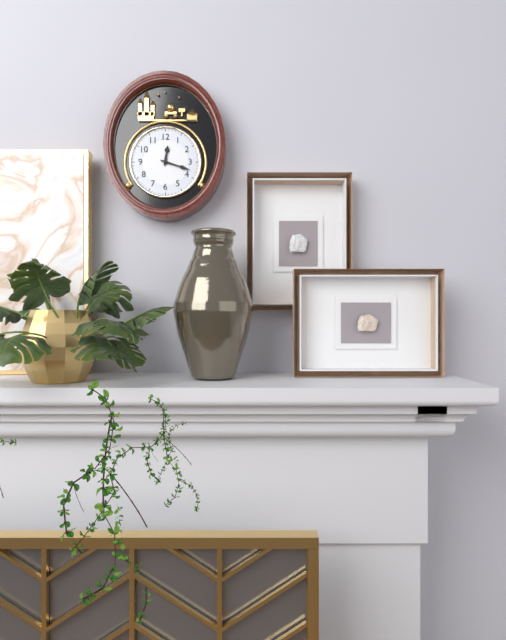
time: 12:18
